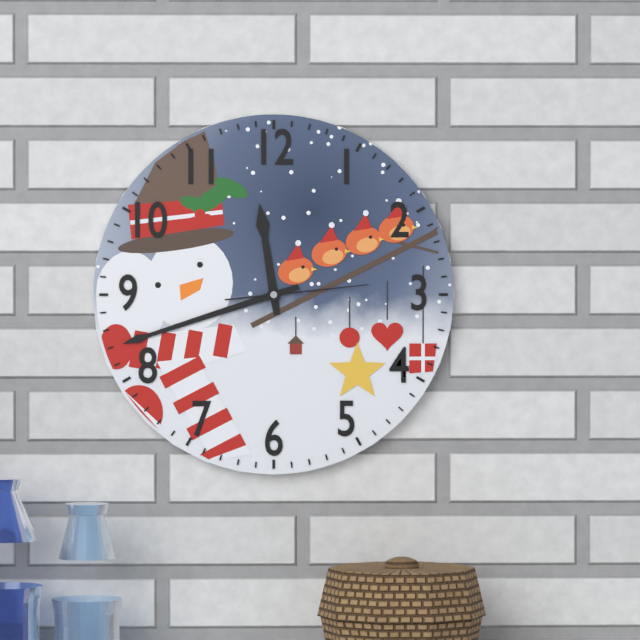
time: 11:42:14
